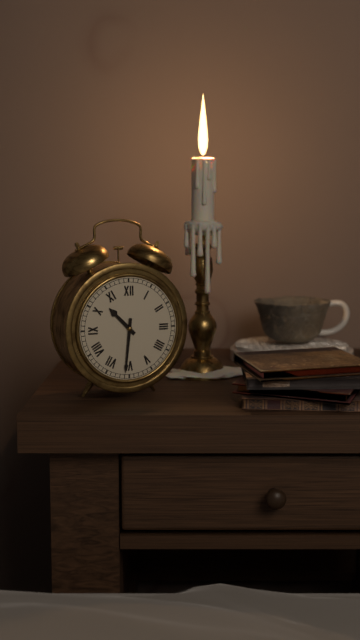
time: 10:31
